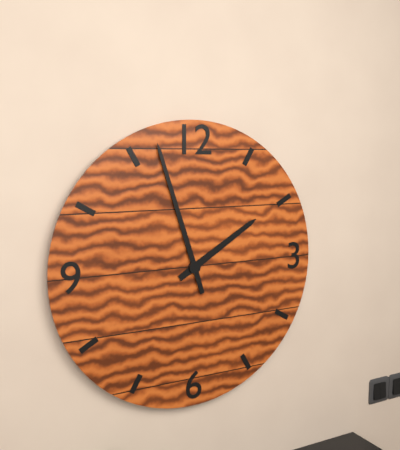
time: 1:57
